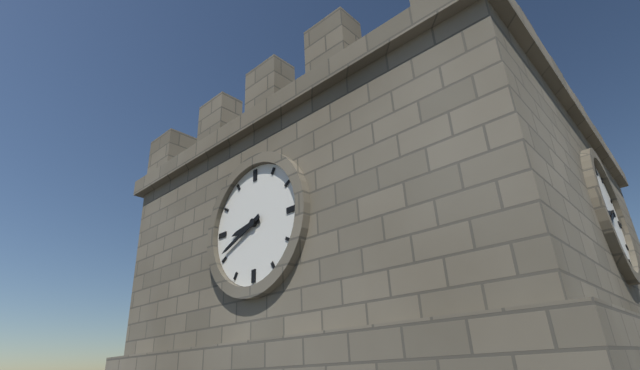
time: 8:41
